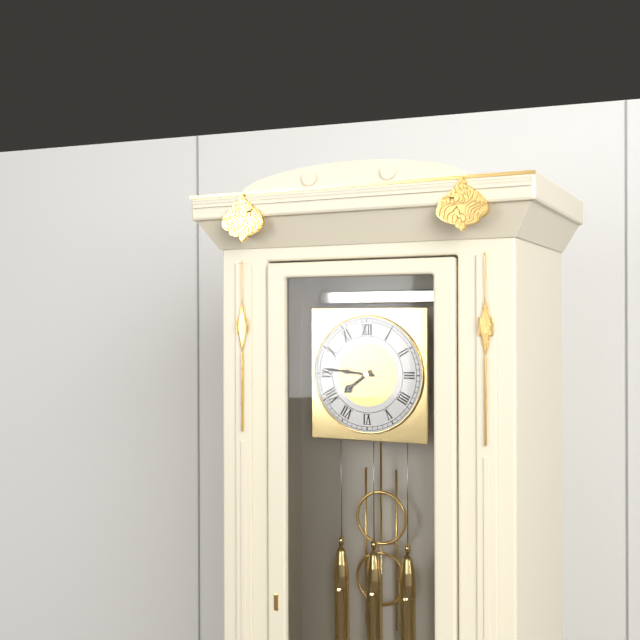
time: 7:46
